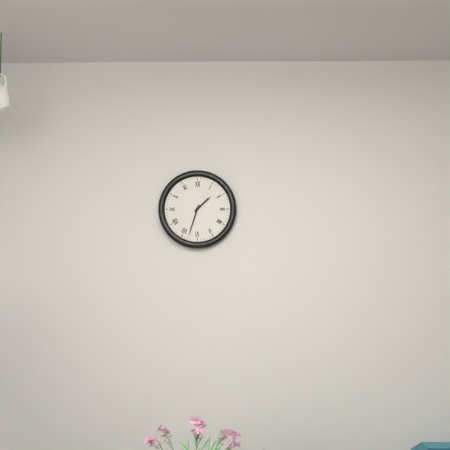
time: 1:33
